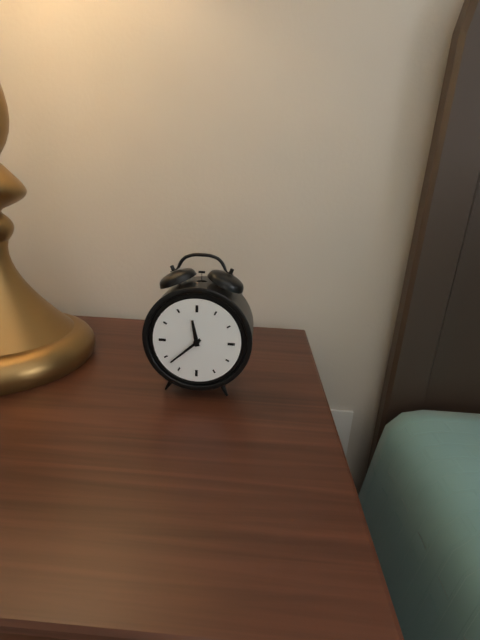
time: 11:38
